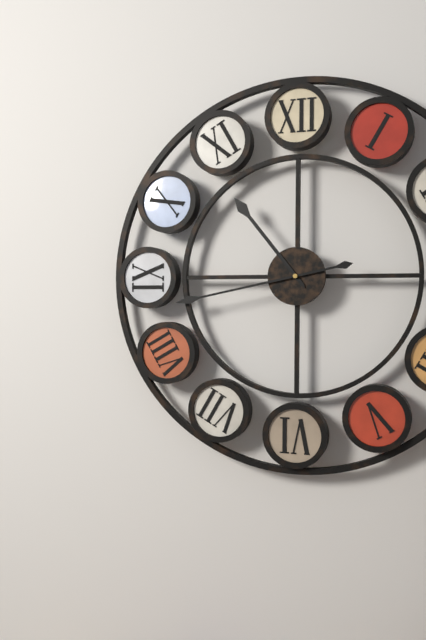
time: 10:43
